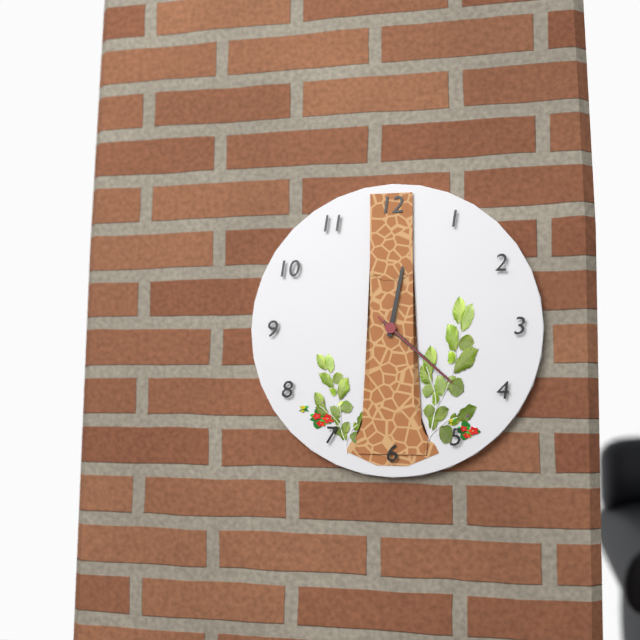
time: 12:22:22
